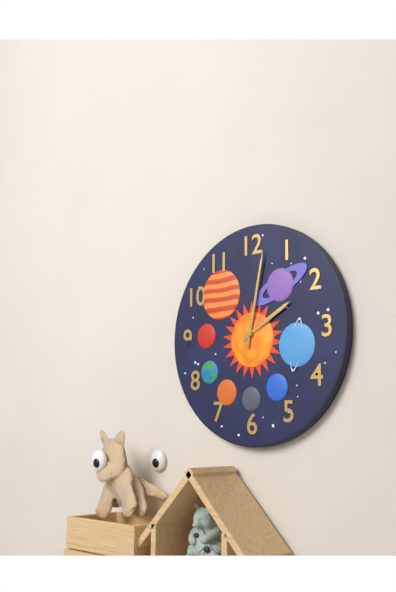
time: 2:02
